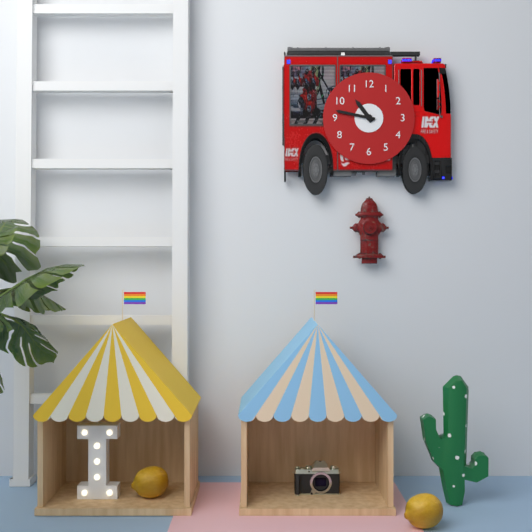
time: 10:47
